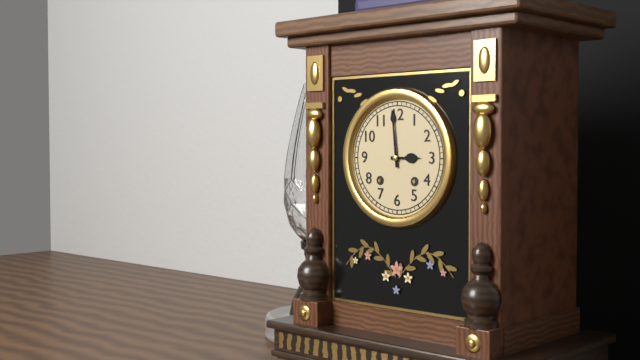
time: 2:59
